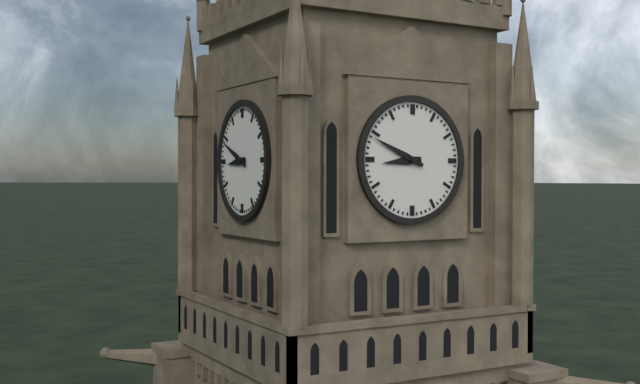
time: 8:49
